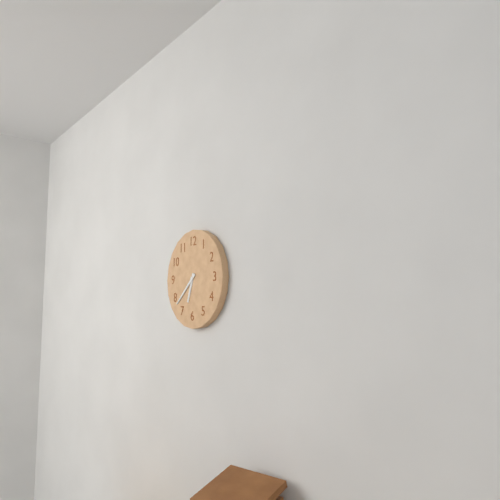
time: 6:38
